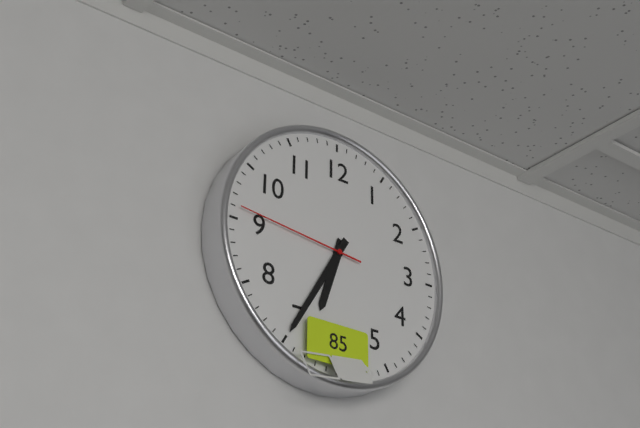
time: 6:35:46
